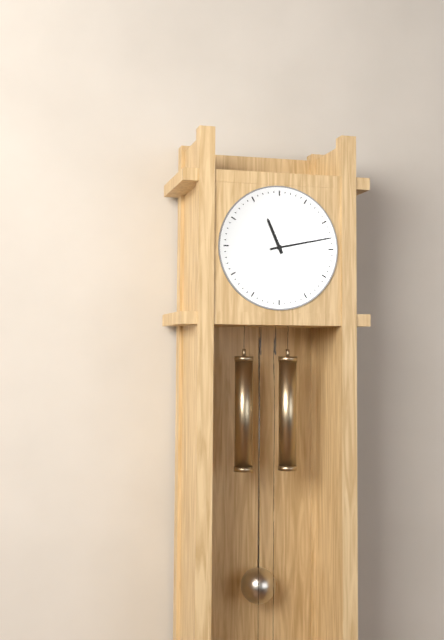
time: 11:13
